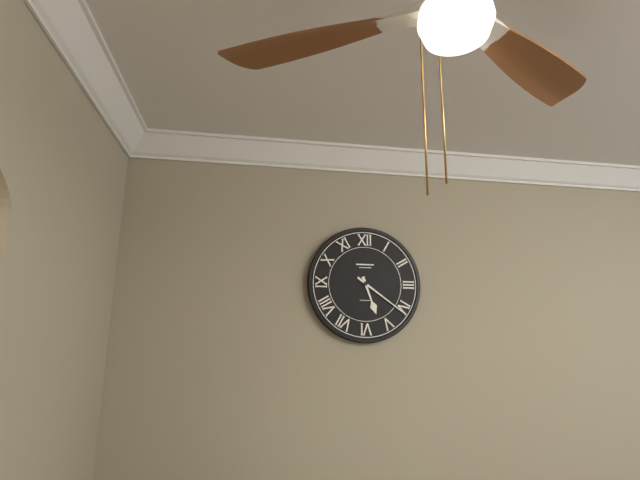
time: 5:21
